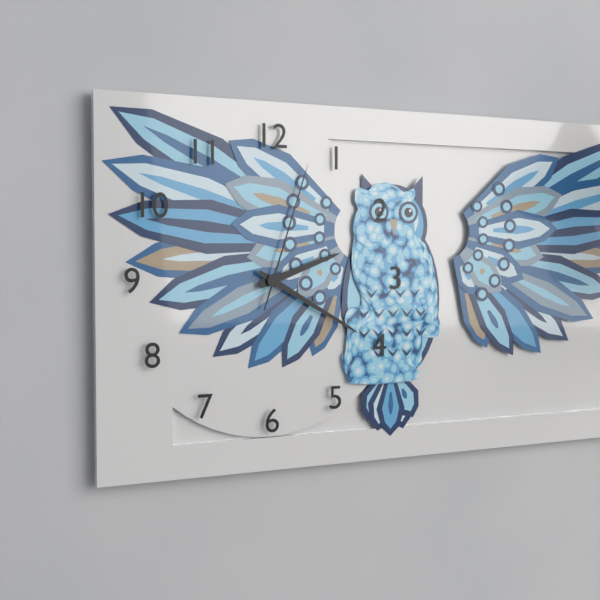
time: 2:20:03
